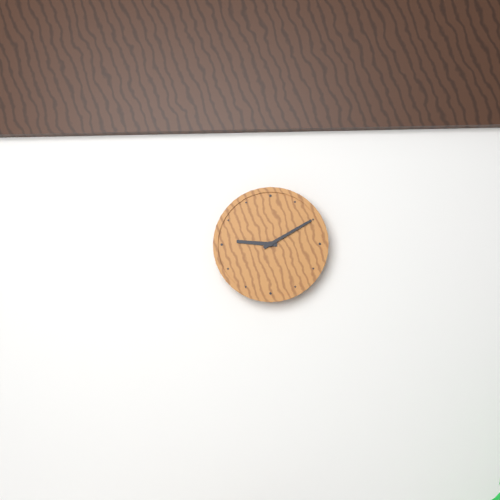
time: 9:10
